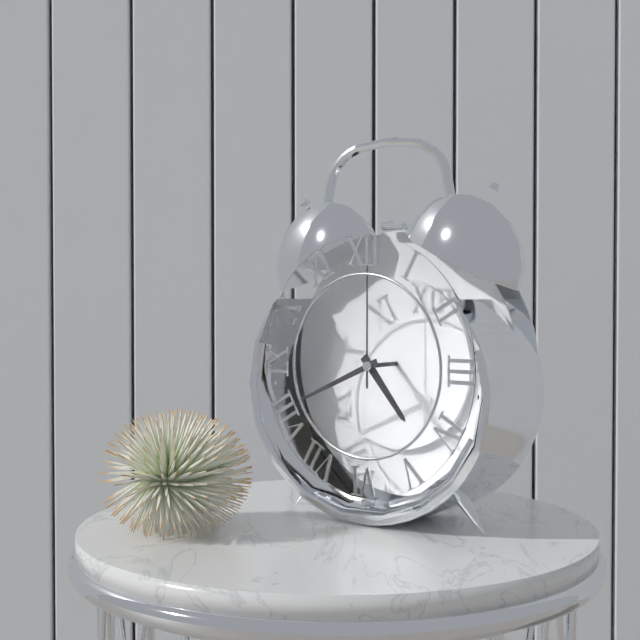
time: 4:41:00
